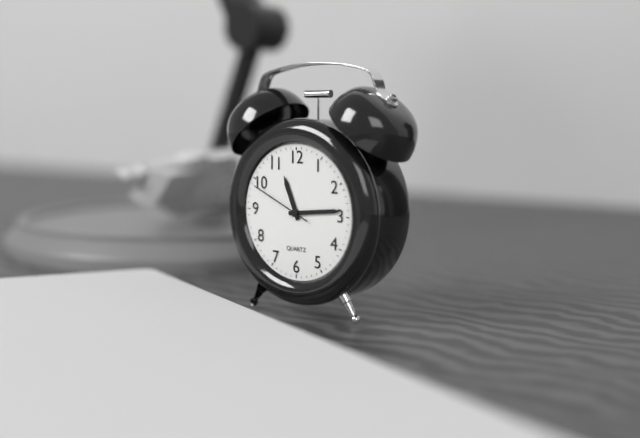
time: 11:14:49
